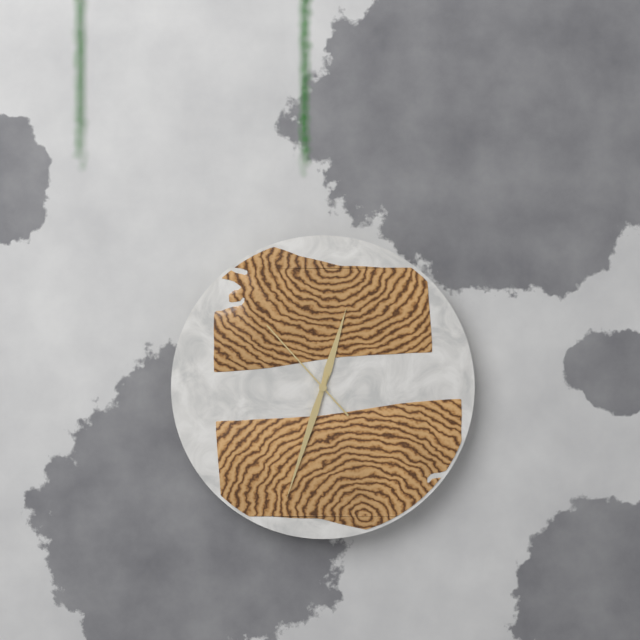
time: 12:33:53
